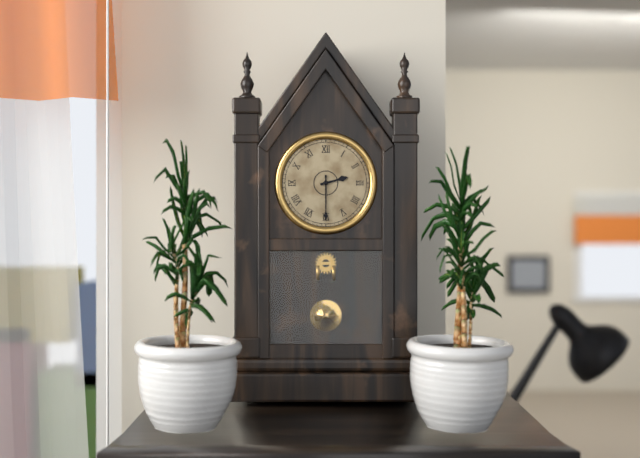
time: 2:30
